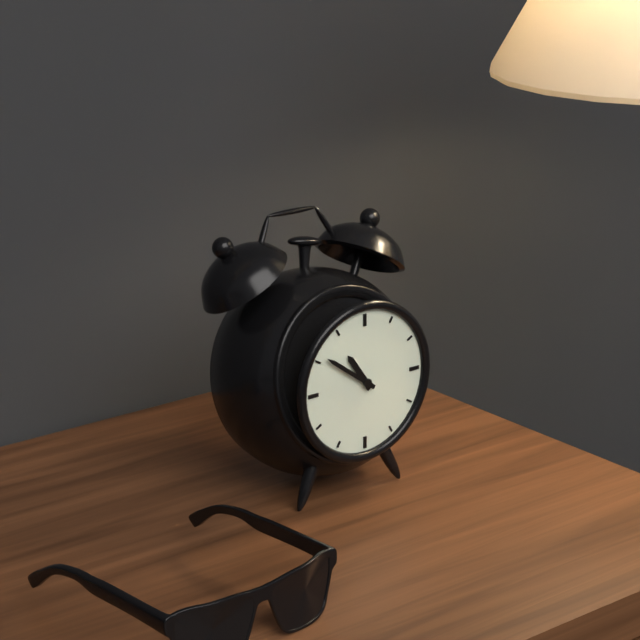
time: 10:51
